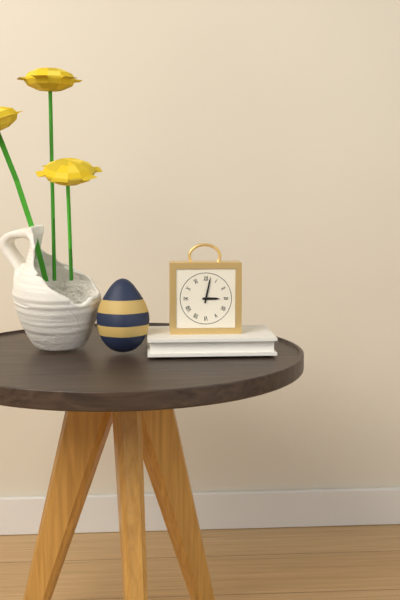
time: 3:02
